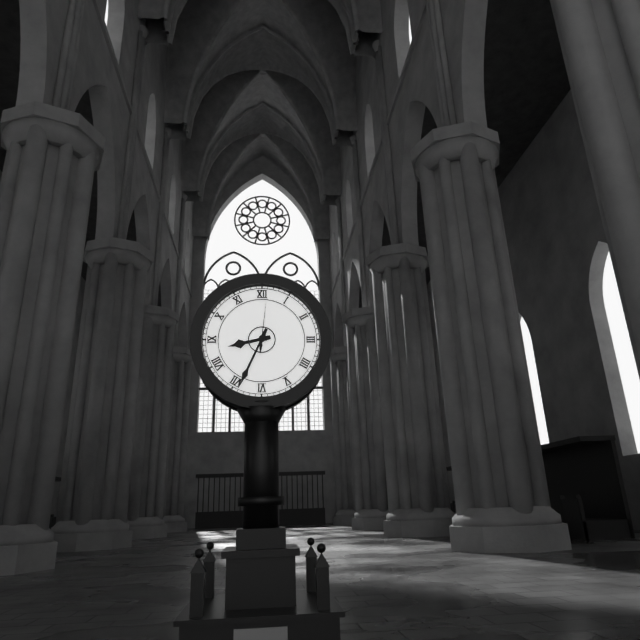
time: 8:34:01
